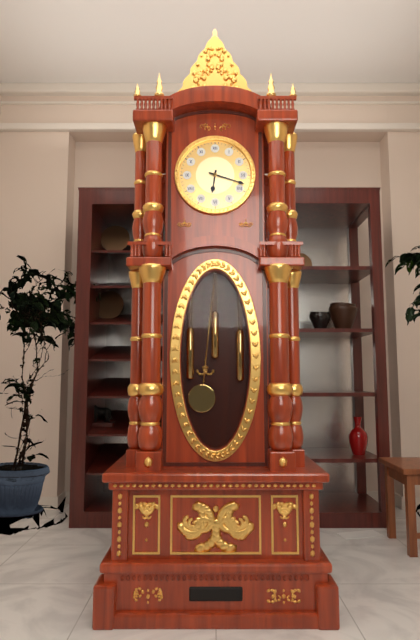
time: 6:18
